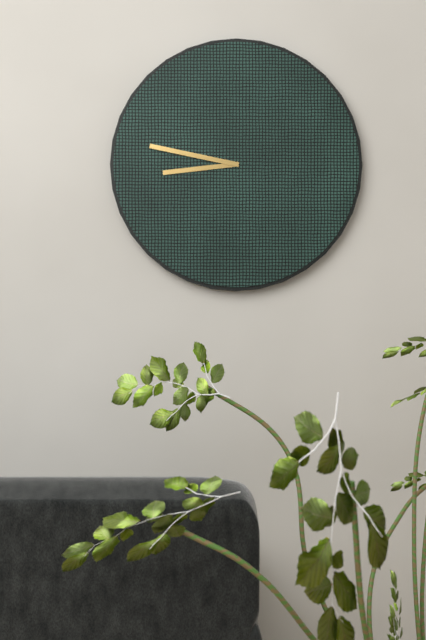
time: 8:47
